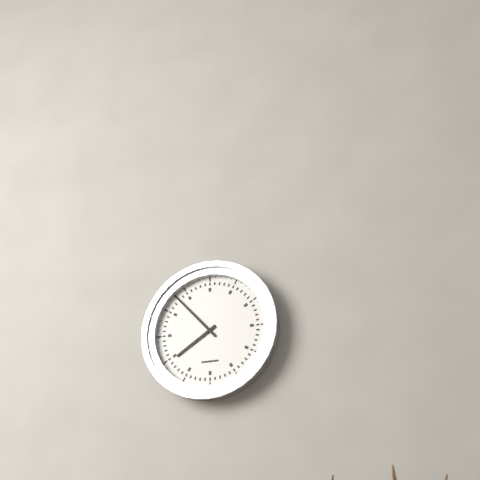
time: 7:53
